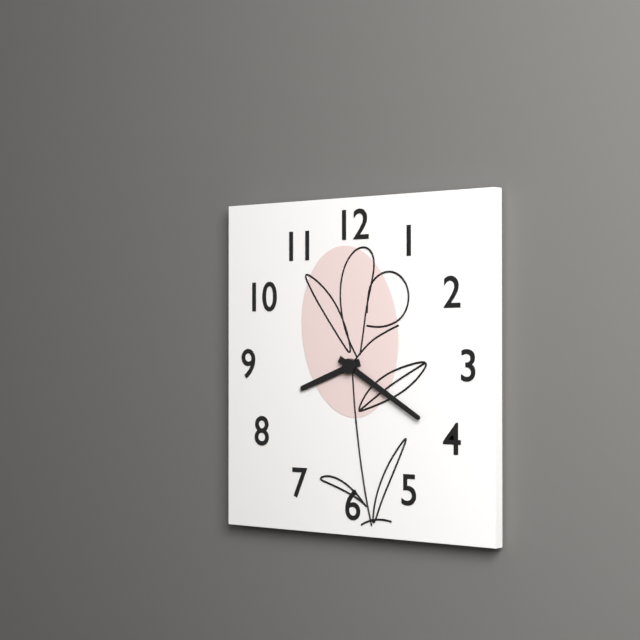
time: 8:20
